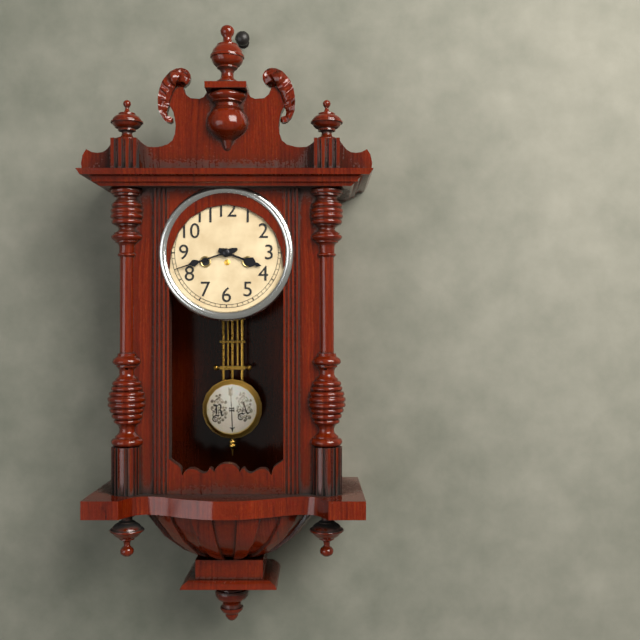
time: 3:42
